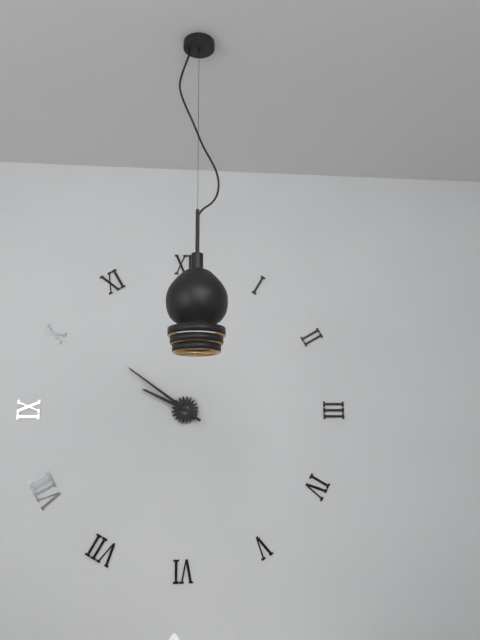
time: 9:51
